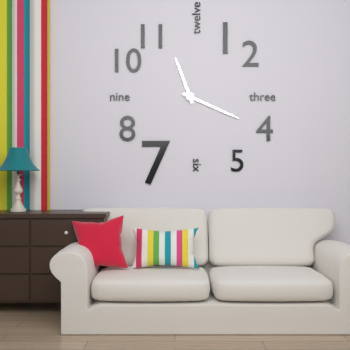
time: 11:19
